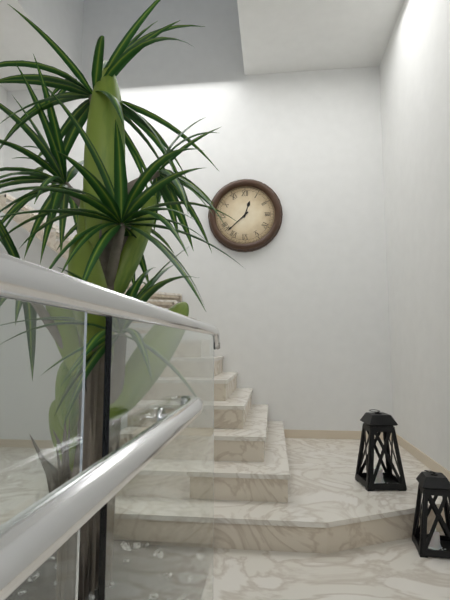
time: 12:38
